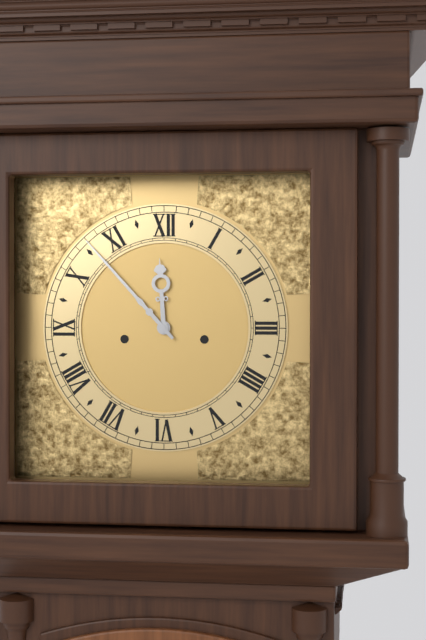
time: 11:53
